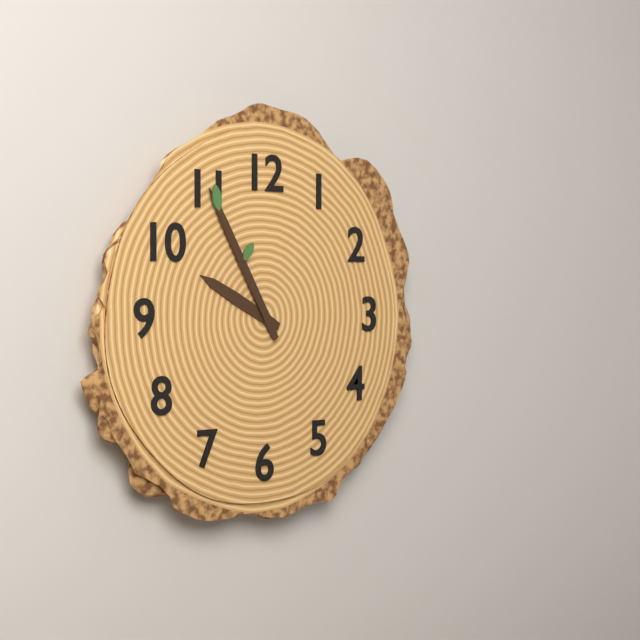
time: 9:55
